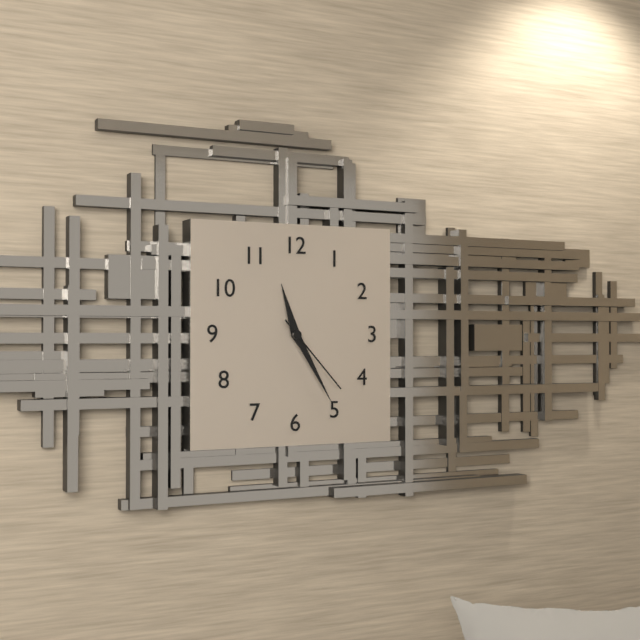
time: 11:25:23
